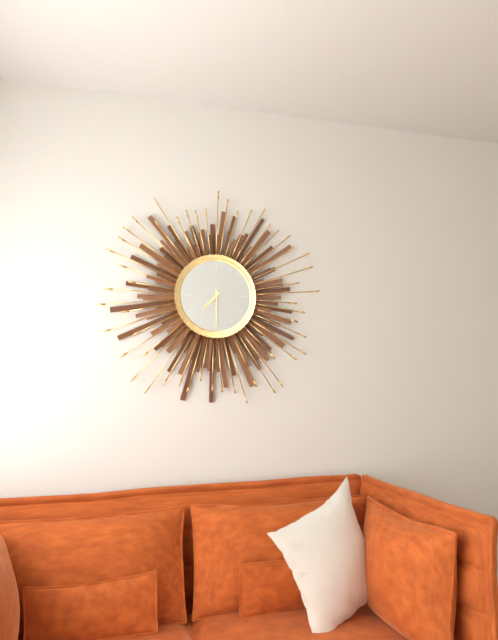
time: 7:30
